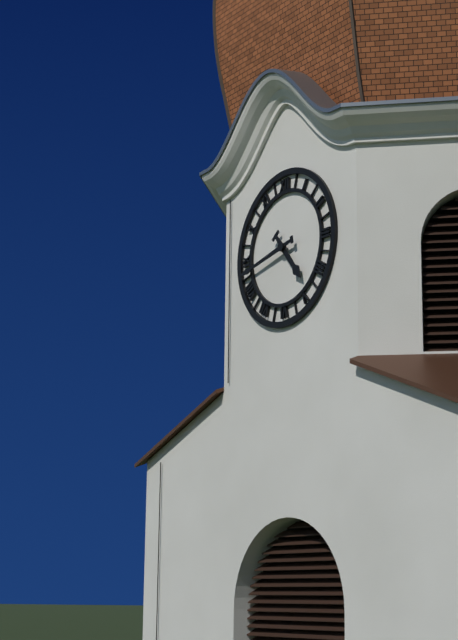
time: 4:43
